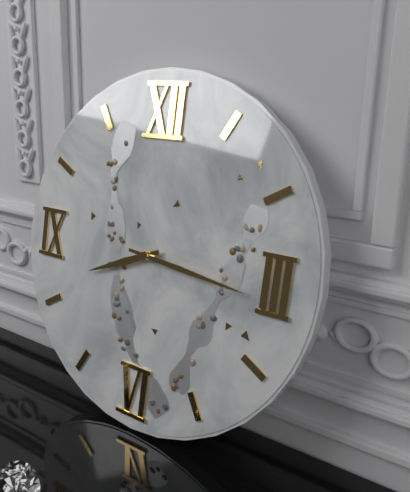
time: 8:16
